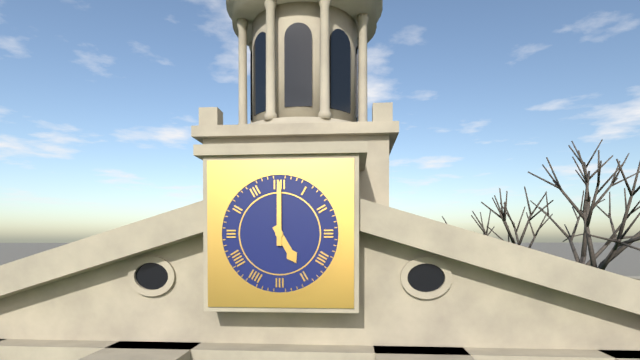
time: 5:00
